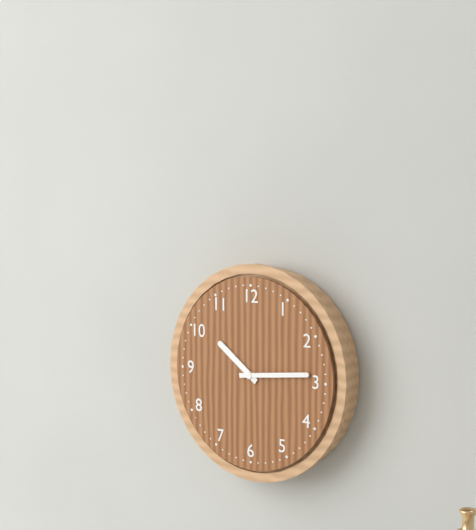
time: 10:14
